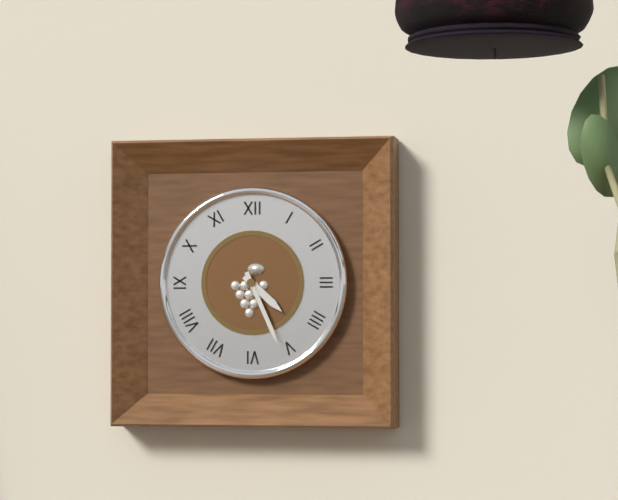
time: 4:26
